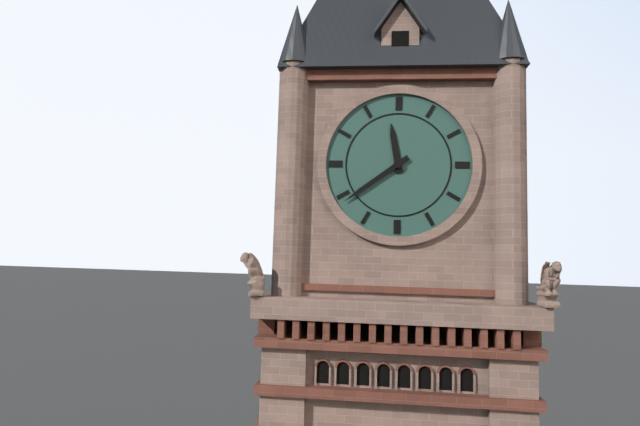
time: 11:39
